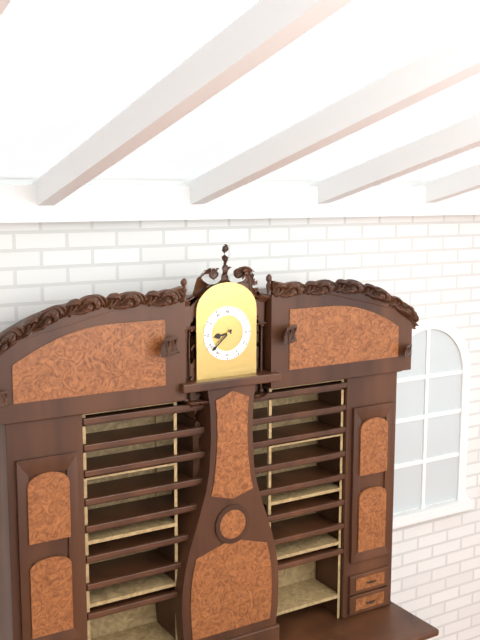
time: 8:38
